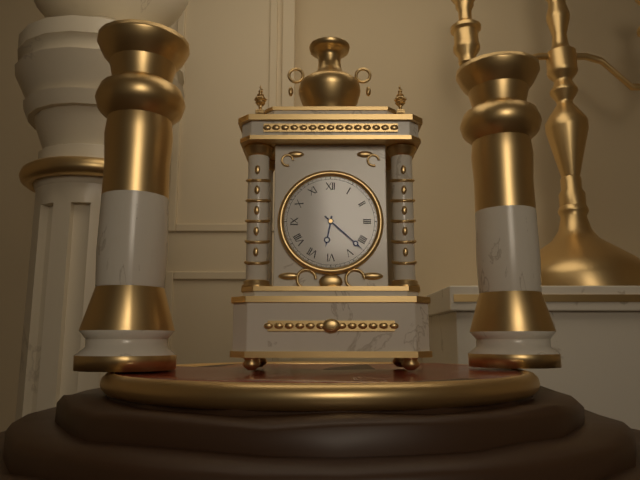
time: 6:22
